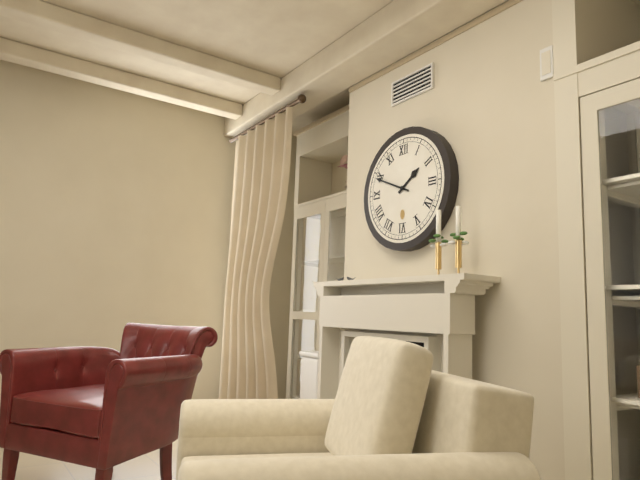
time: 1:49
